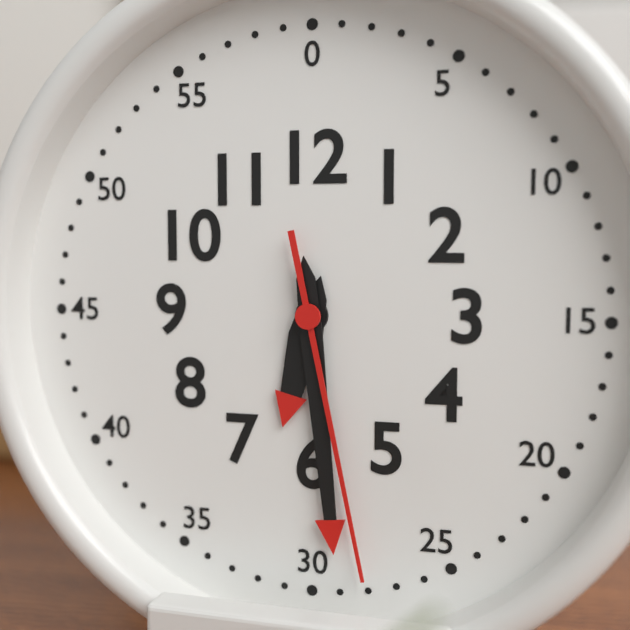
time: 6:29:28
